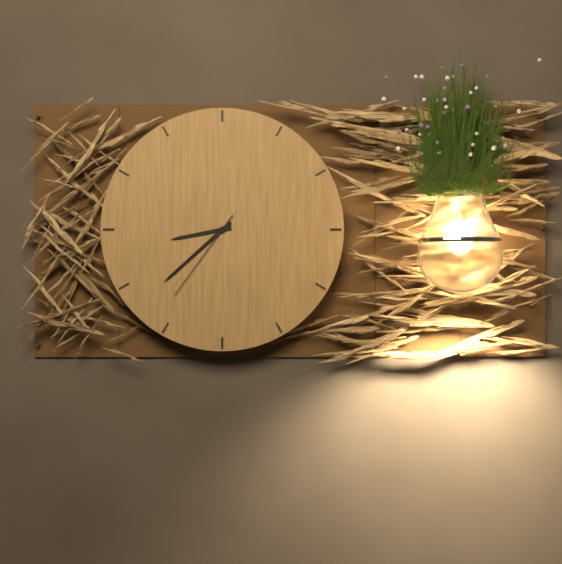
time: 8:38:36
